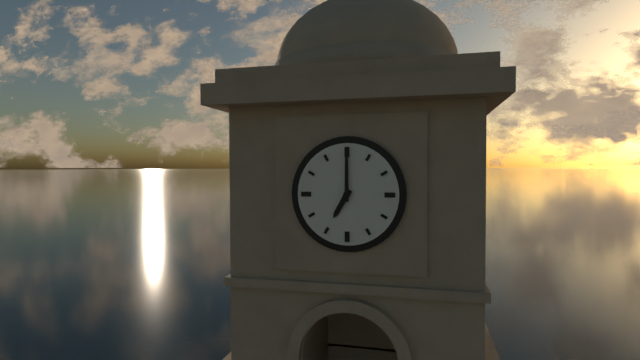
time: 7:00
